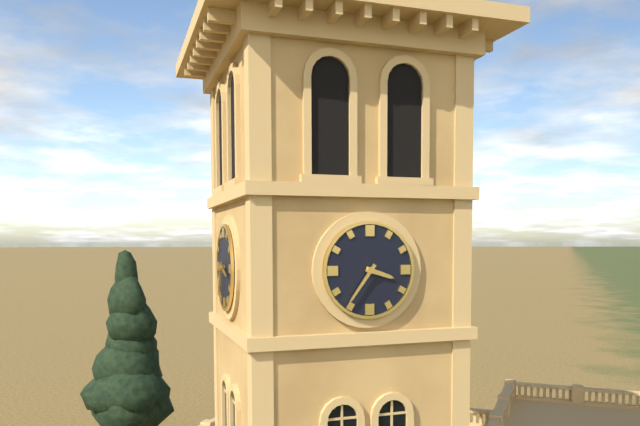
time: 3:36
